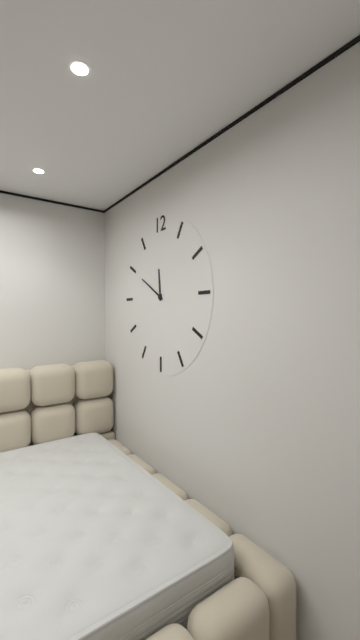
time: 11:50
